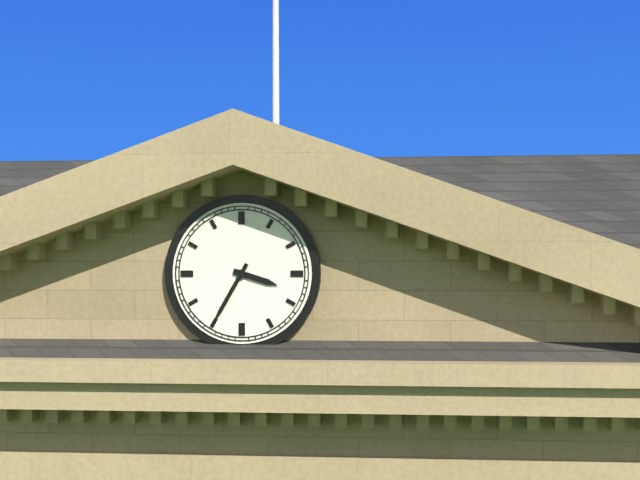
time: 3:35
